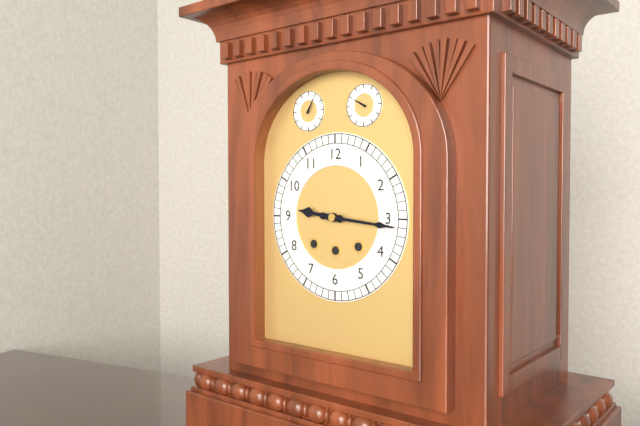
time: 9:16
